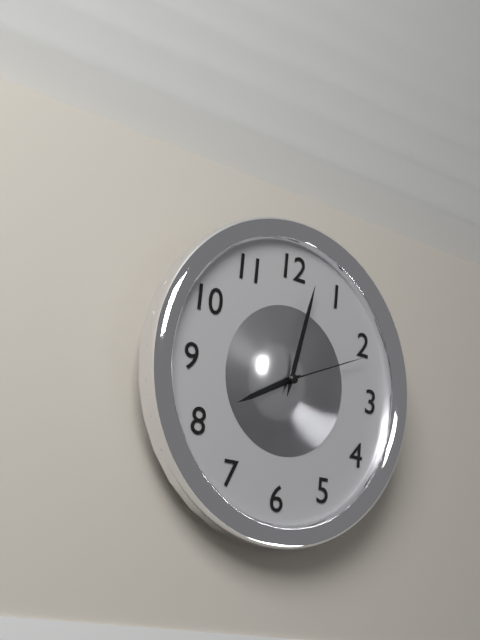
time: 8:02:11
